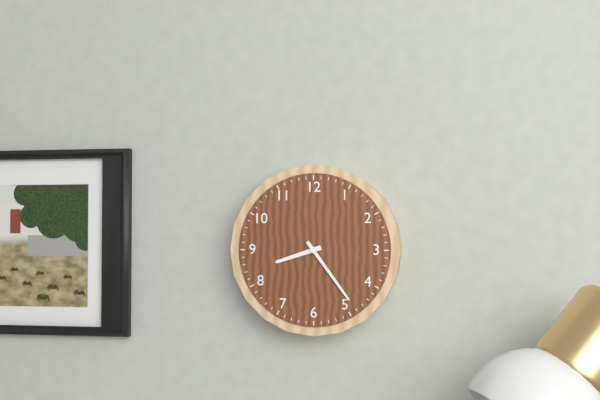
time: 8:24
